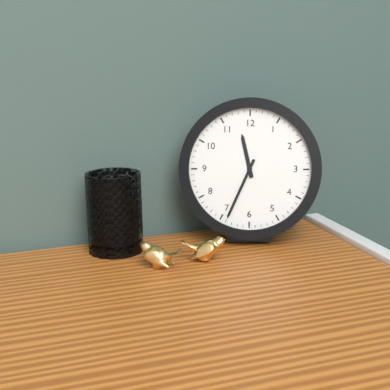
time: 11:34
